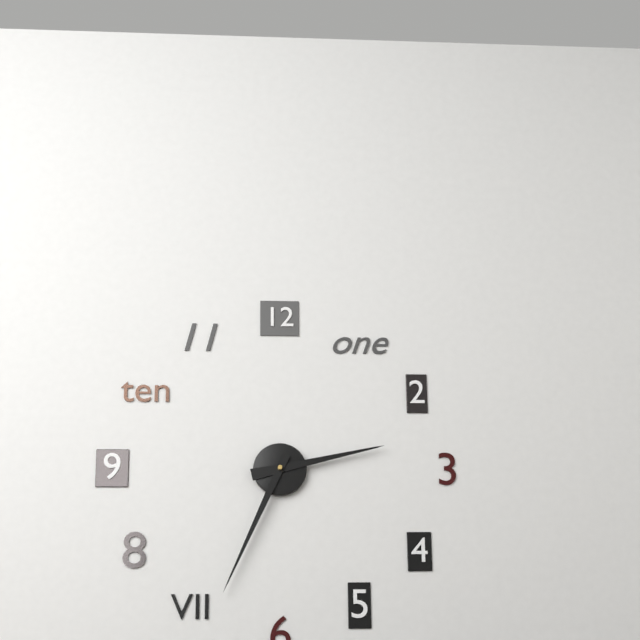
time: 2:34
